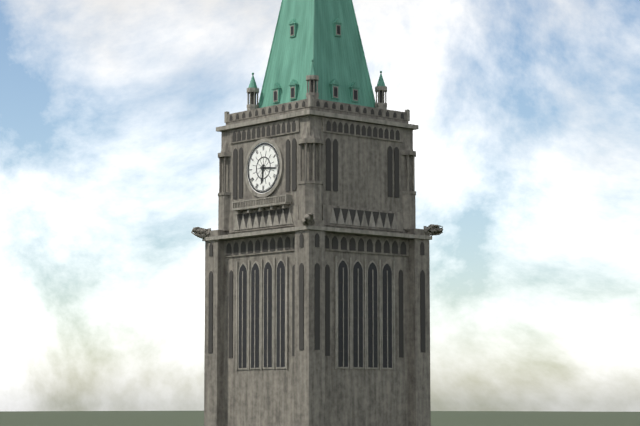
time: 6:16
